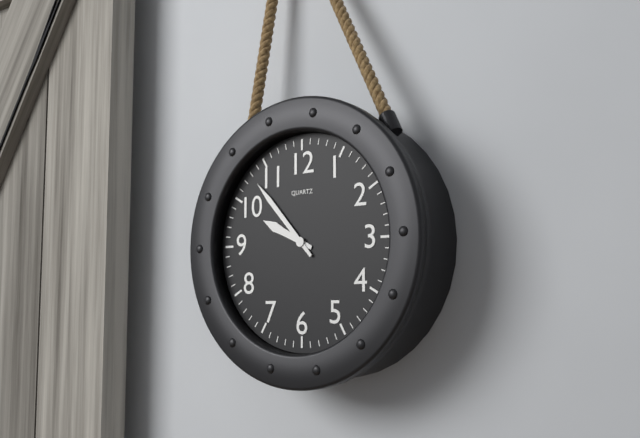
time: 9:53
